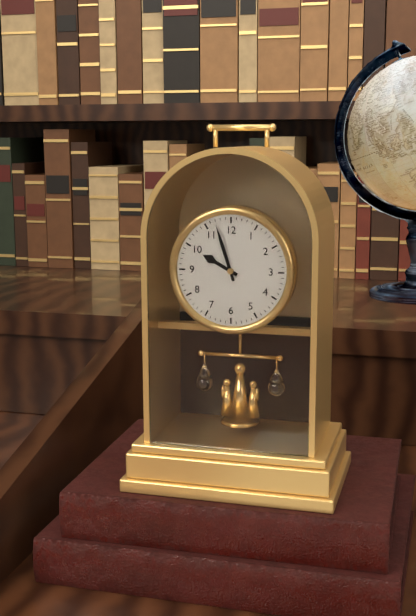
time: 9:57
